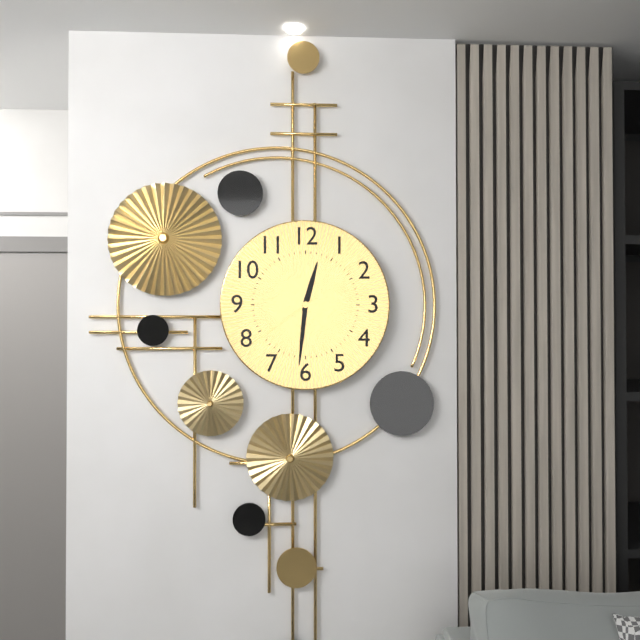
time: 12:31:39
